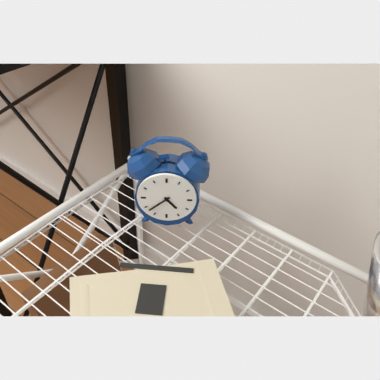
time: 4:38
